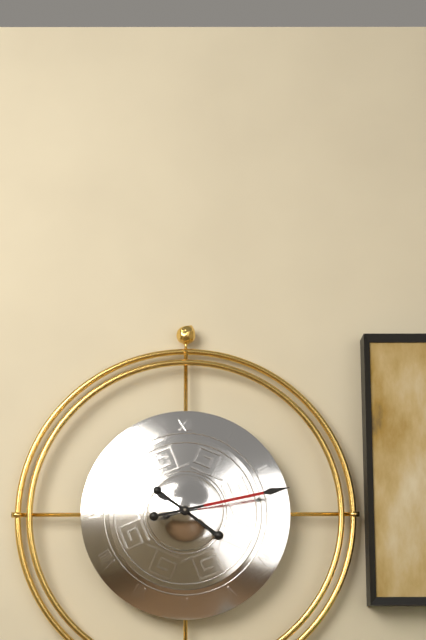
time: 4:13
